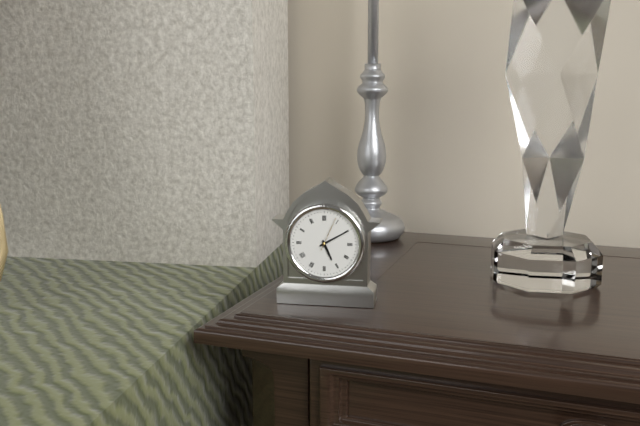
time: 5:10
